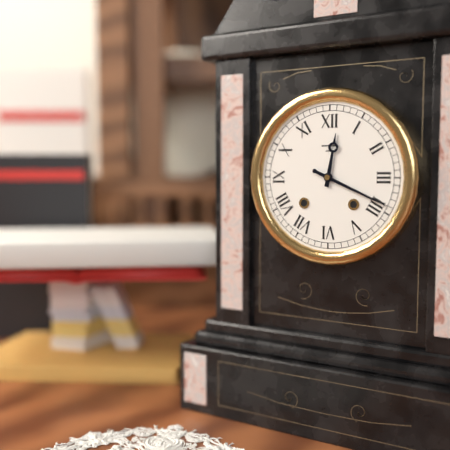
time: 12:19
